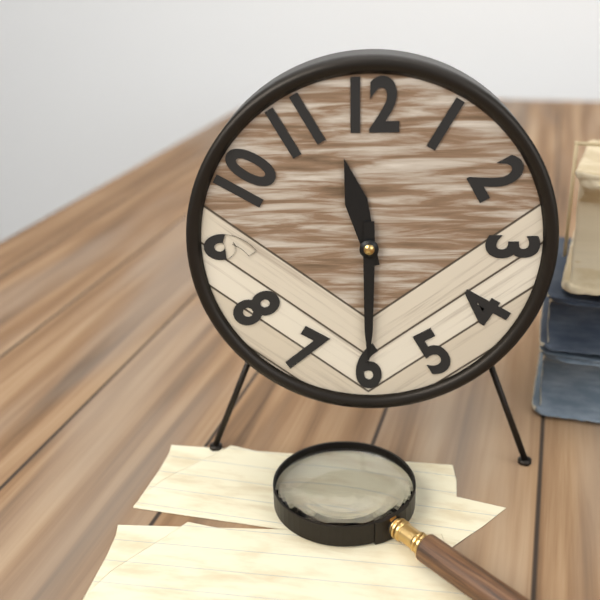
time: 11:30
